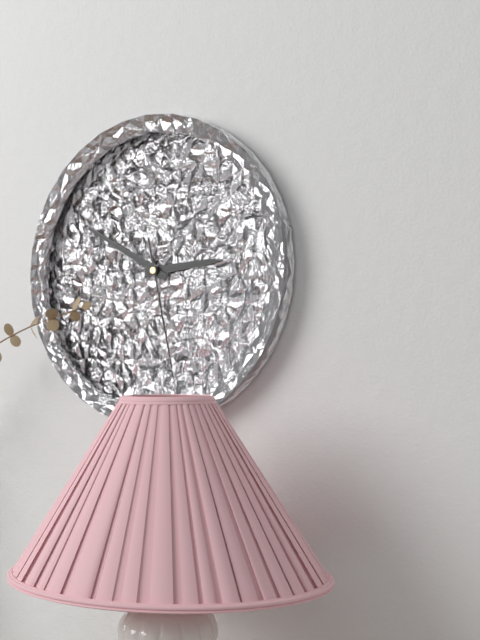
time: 2:50:28
